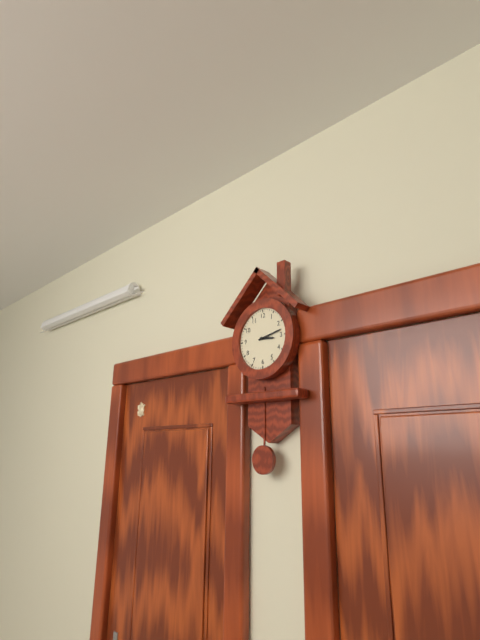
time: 3:13
